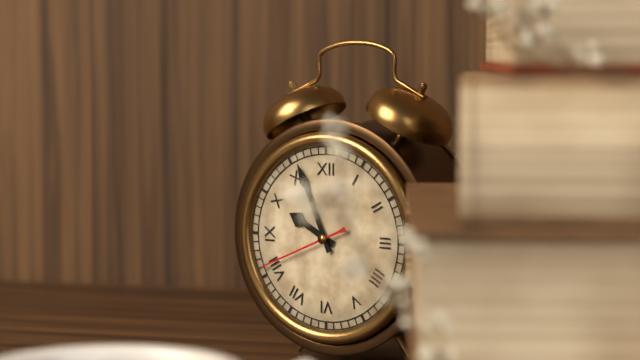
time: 9:56:41
